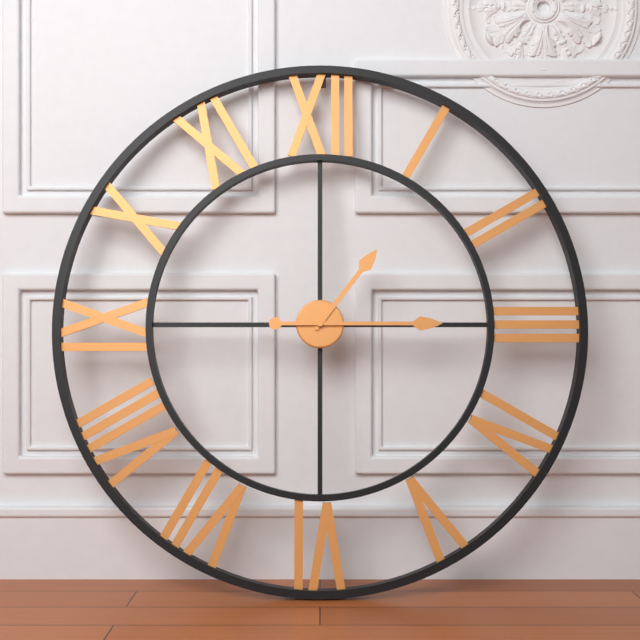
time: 1:15
